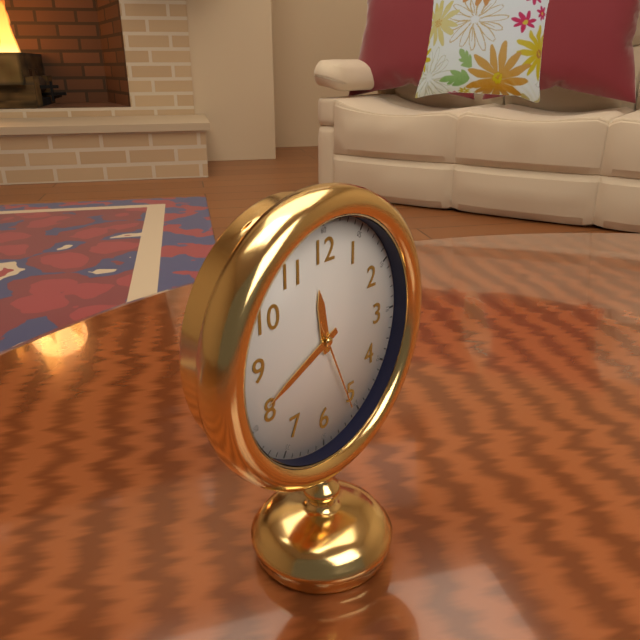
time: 11:41:26
